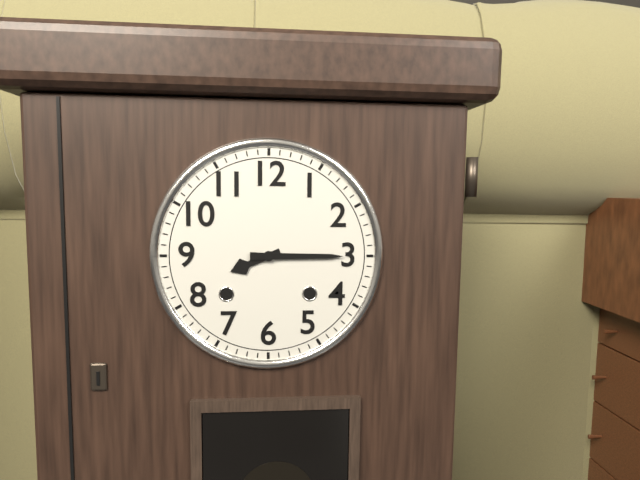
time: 8:15
